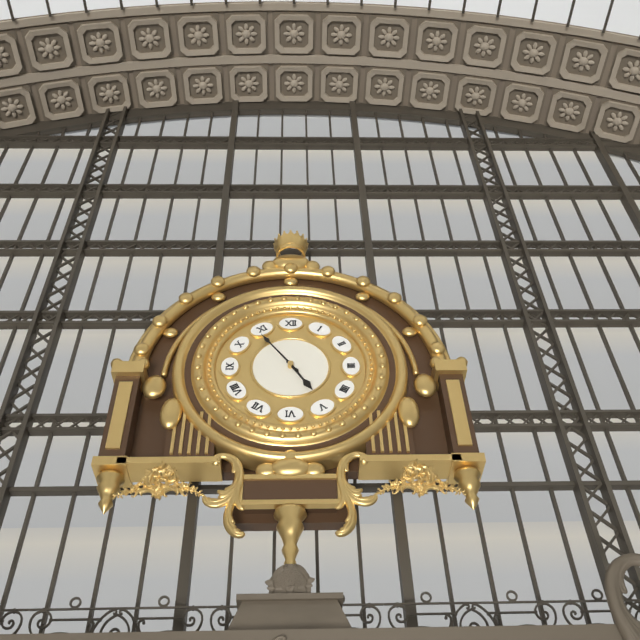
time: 4:54
